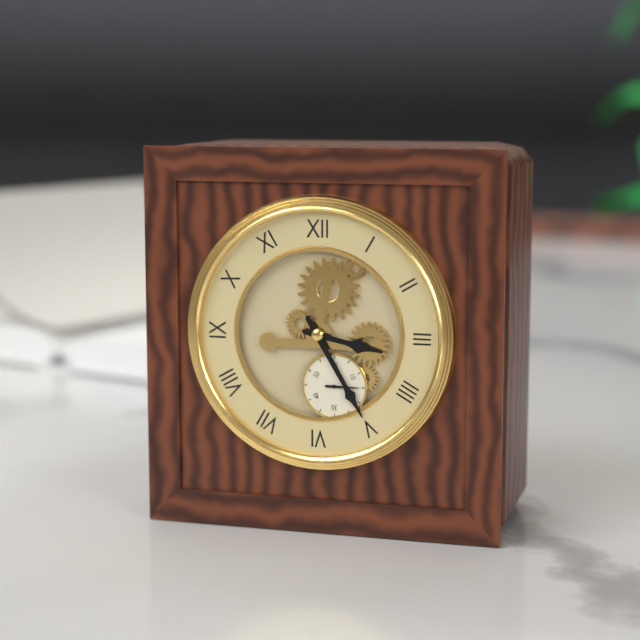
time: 3:25
